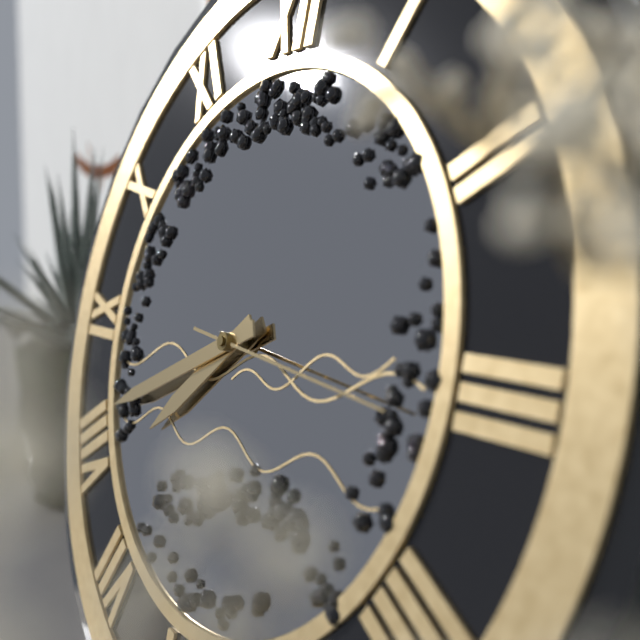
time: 7:41:16
